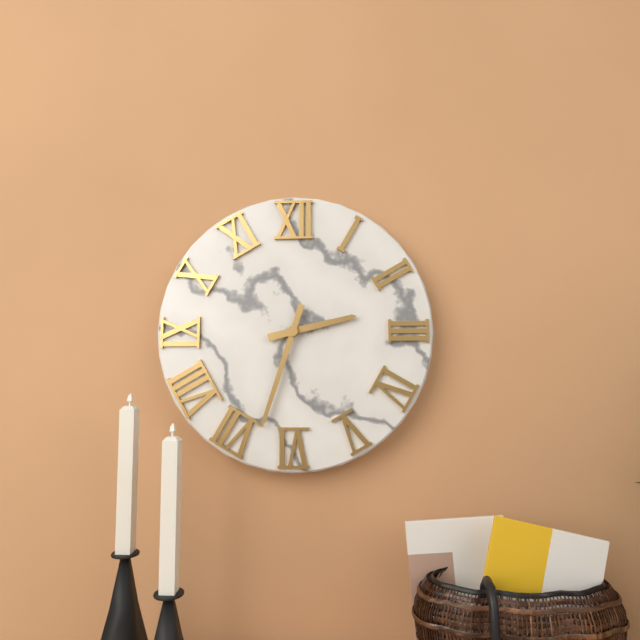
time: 2:33
